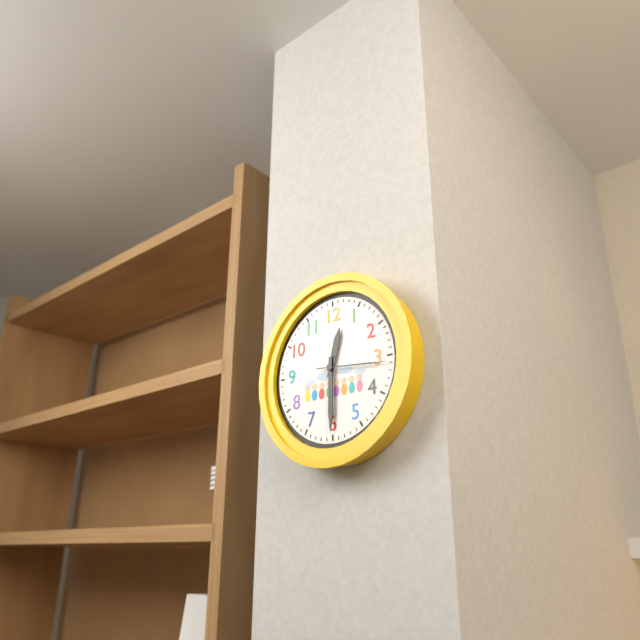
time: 12:30:16
